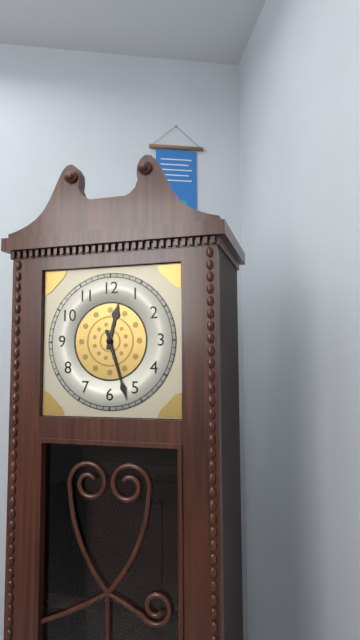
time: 12:27
